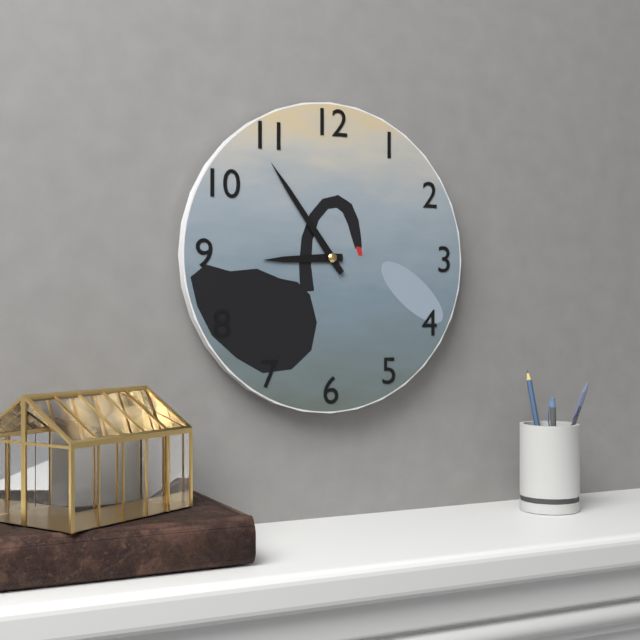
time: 8:54
